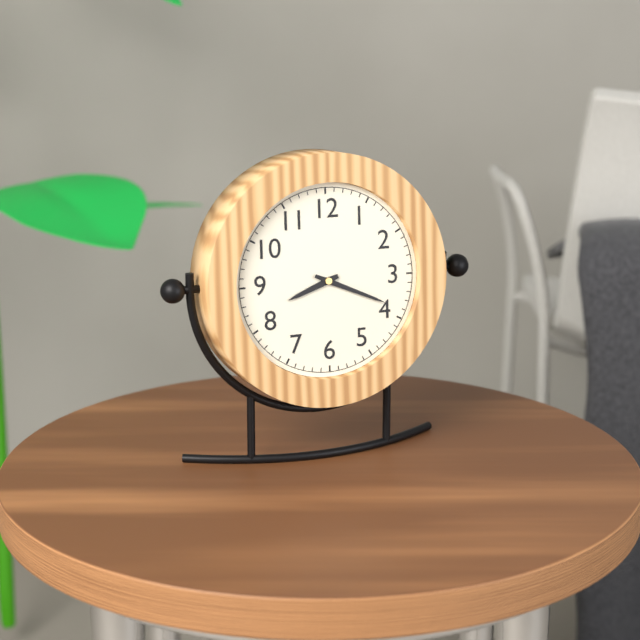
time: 8:19
